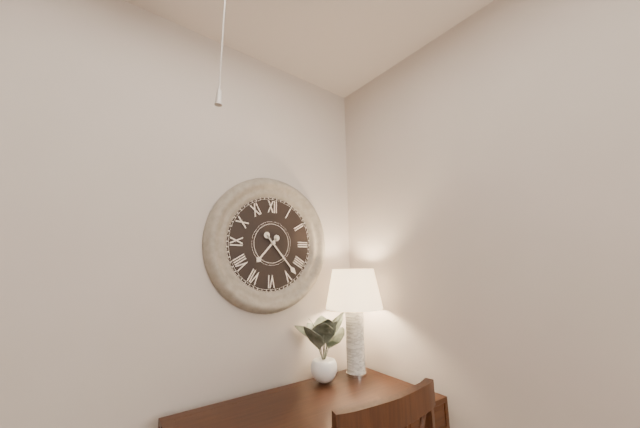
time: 7:23
